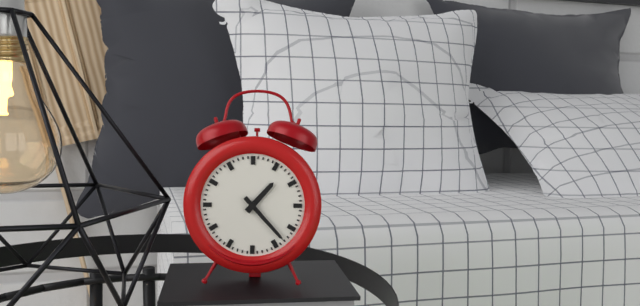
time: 1:23
